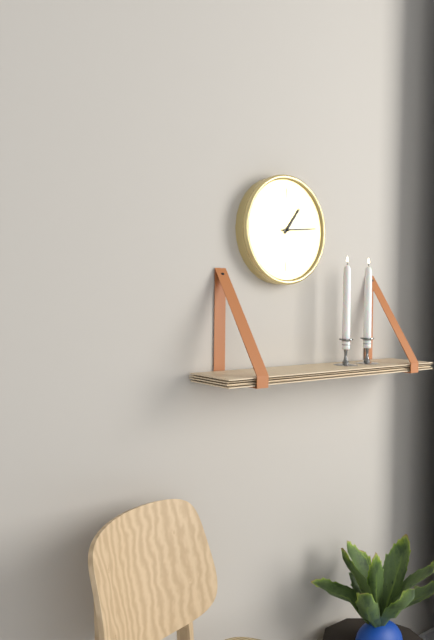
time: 1:14
